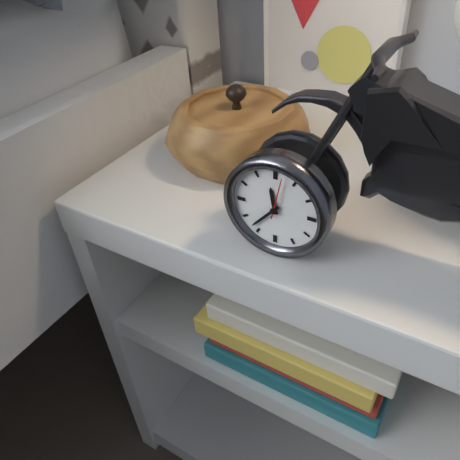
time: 11:37
